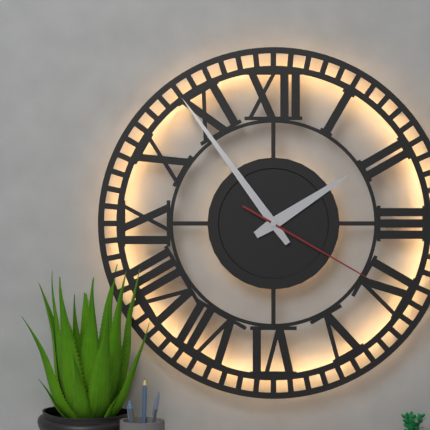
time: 1:54:20
